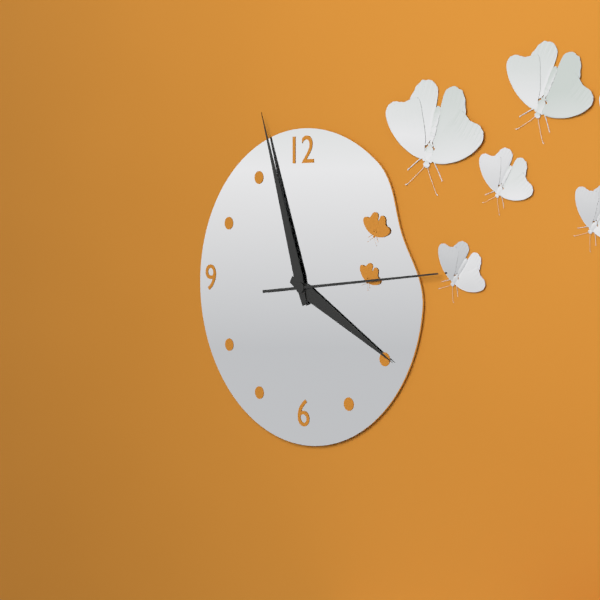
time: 3:57:14
